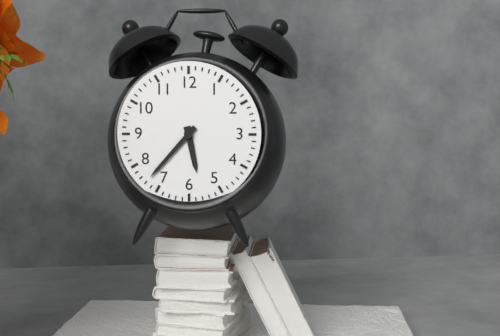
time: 5:37
